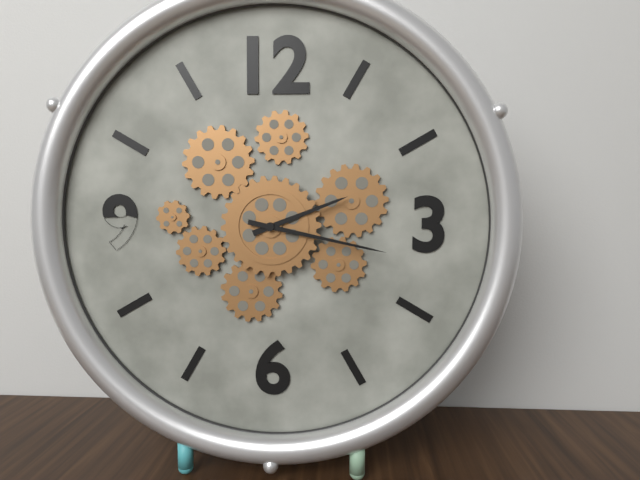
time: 2:17
